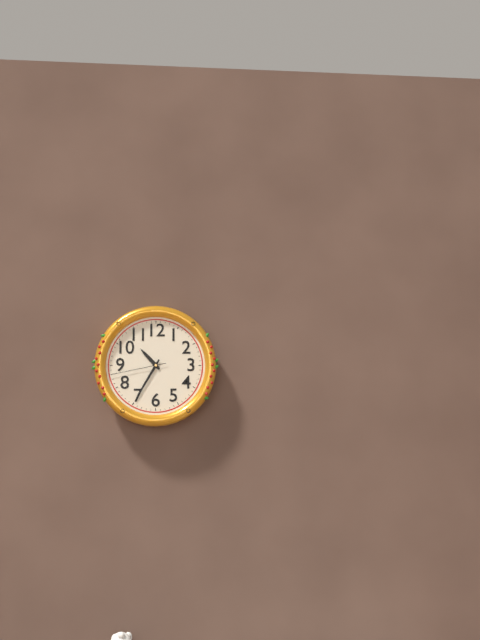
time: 10:35:43
